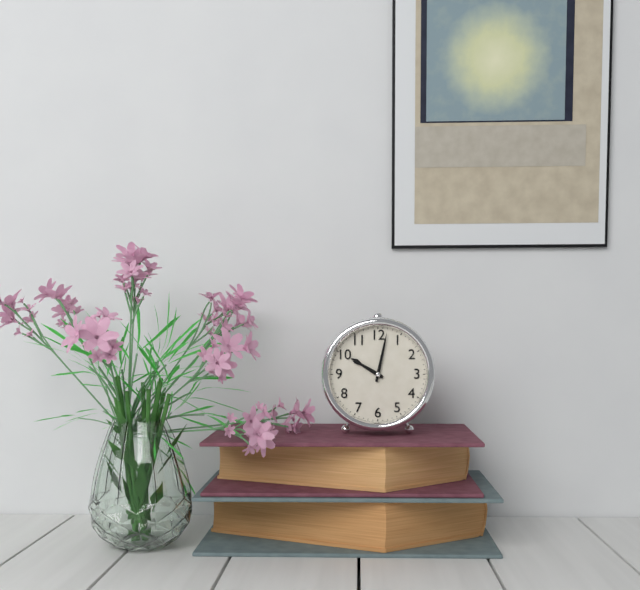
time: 10:02
